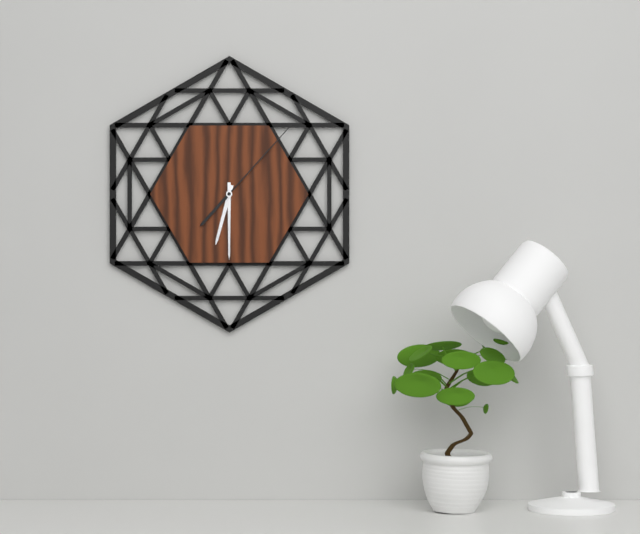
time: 6:30:07
